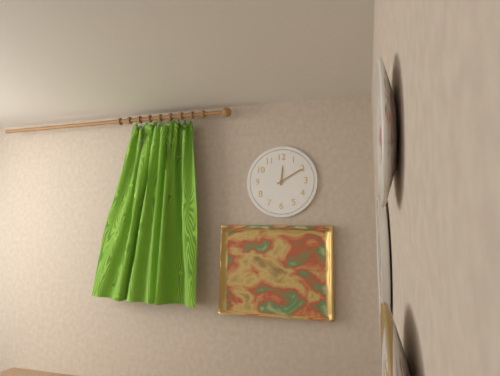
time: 12:10
